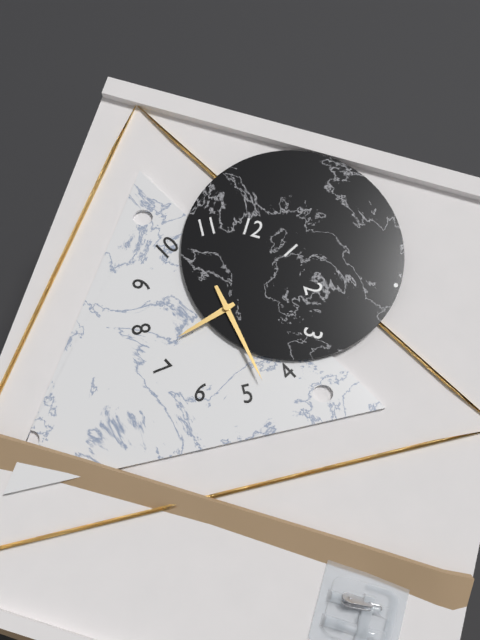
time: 7:23
